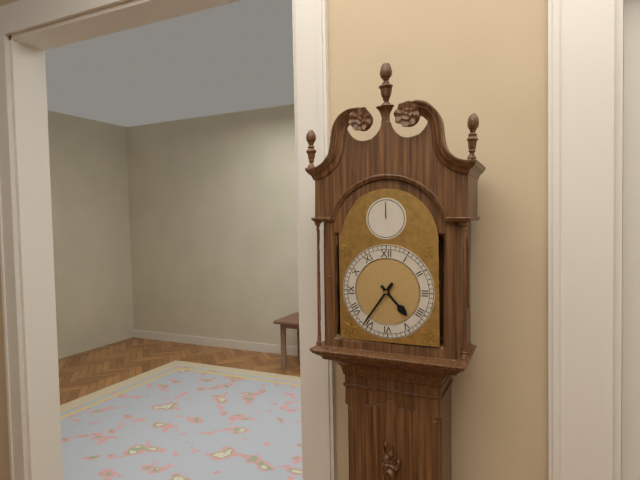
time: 4:36
